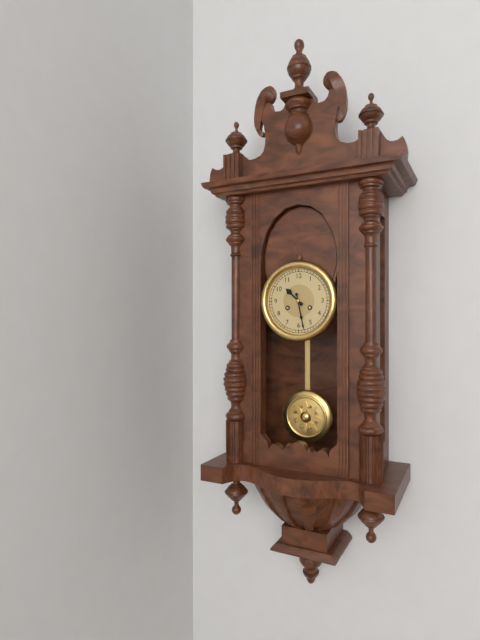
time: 10:28
